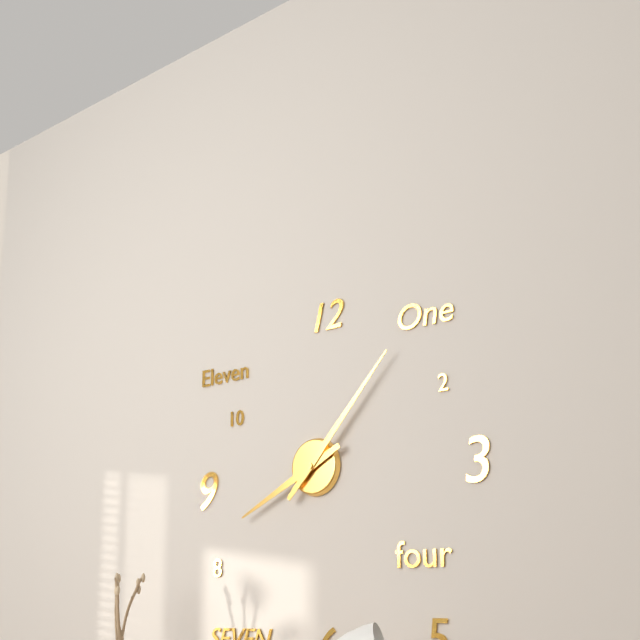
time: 8:07
